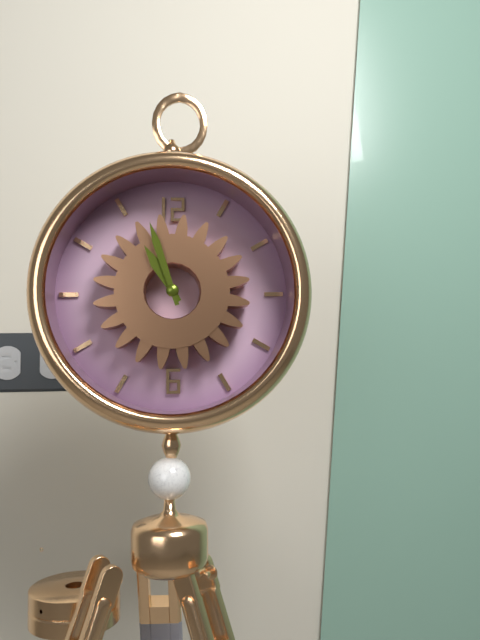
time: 10:57
